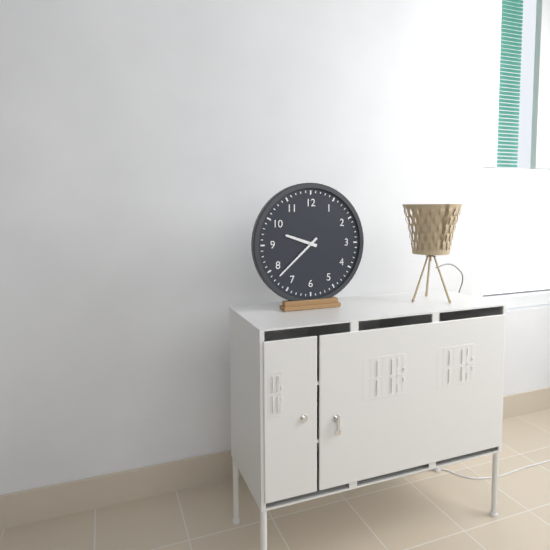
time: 9:38
